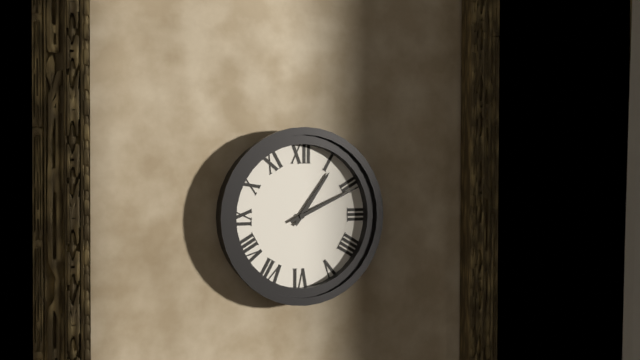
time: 1:11
